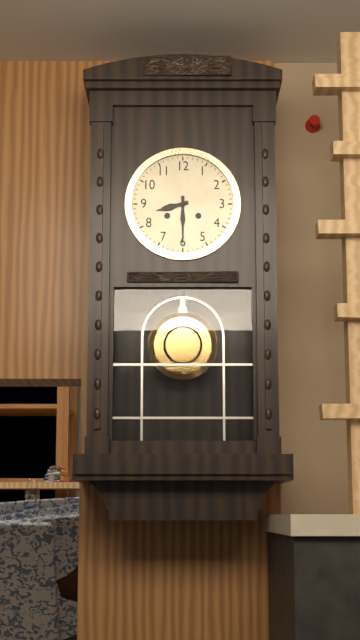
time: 8:30
